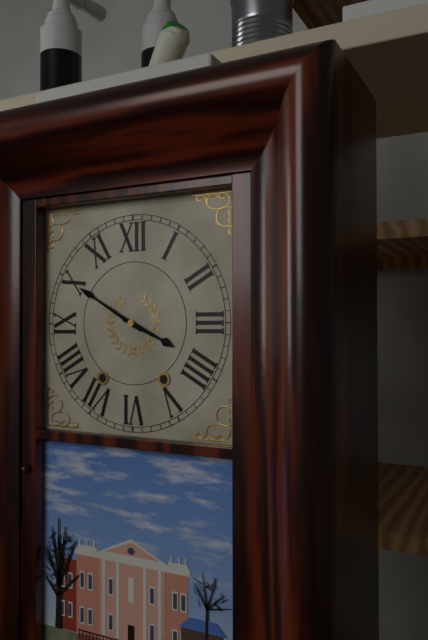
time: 3:50
